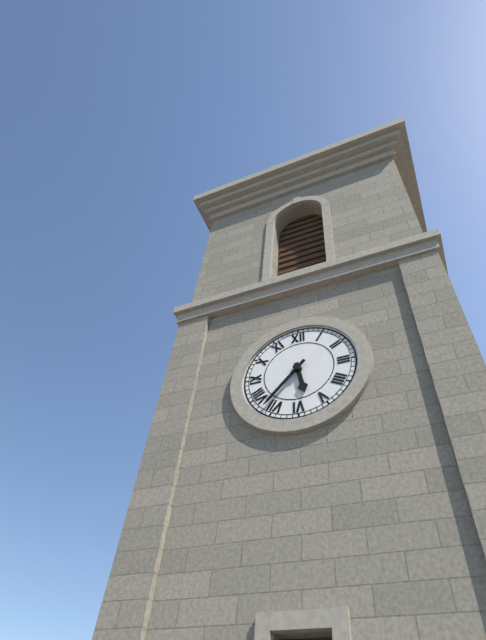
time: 5:37
